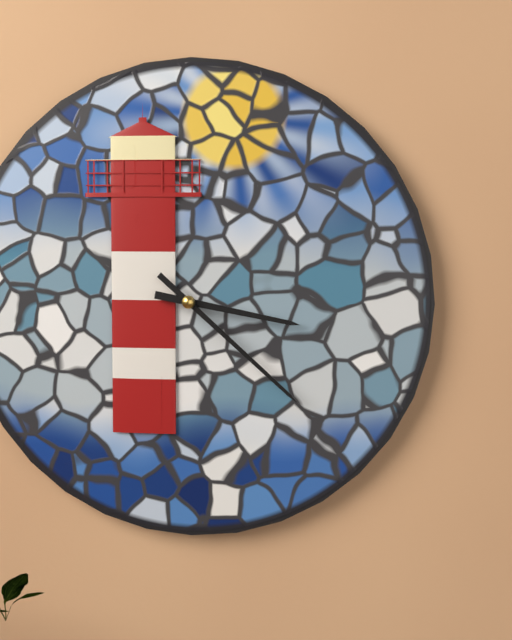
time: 3:22
